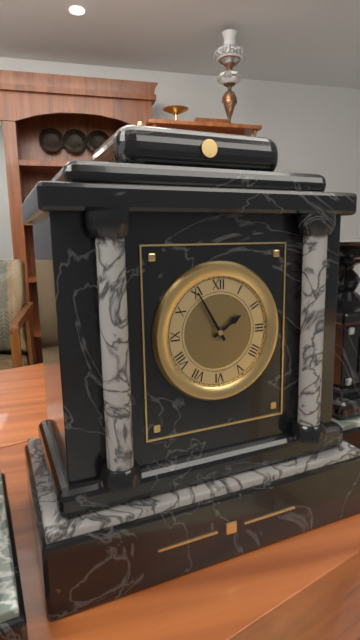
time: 1:55
